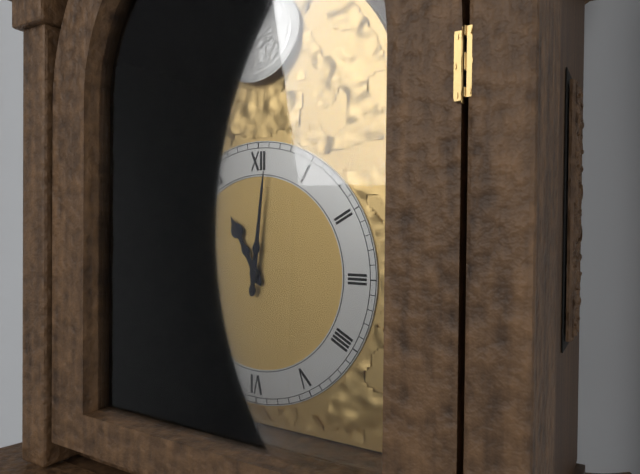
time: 11:01
